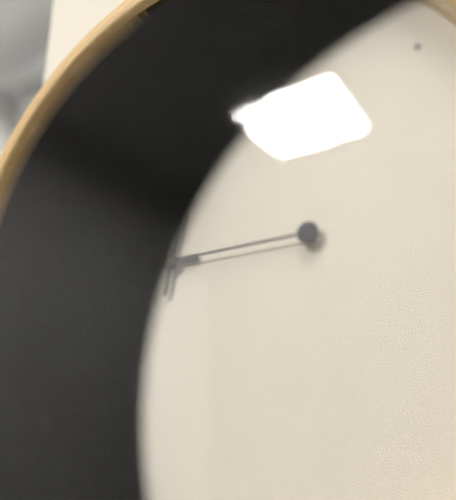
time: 9:02:45
